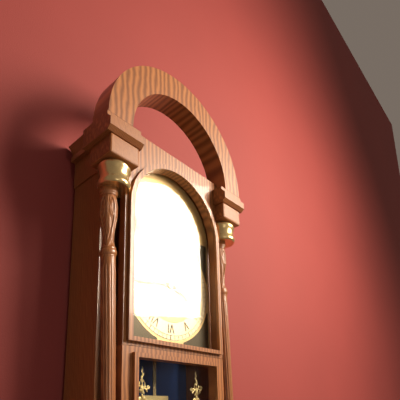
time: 3:44
